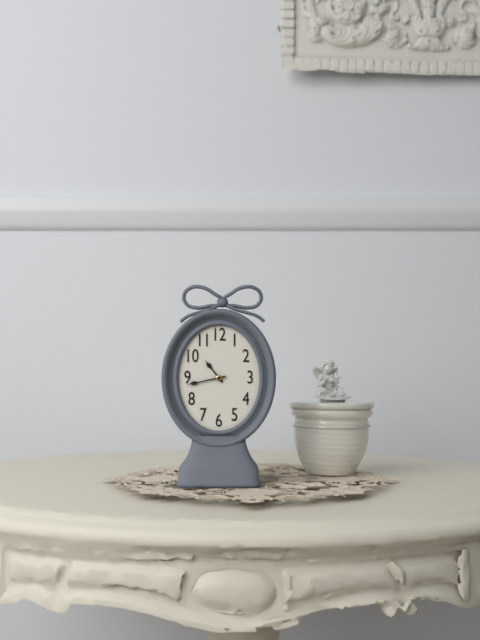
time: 10:43
